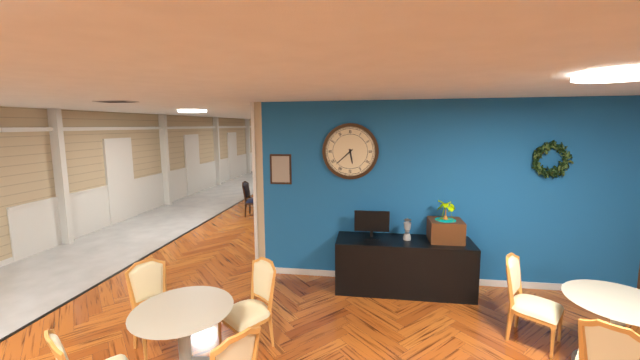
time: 5:38
